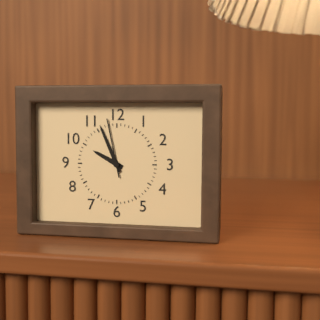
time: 9:56:58
